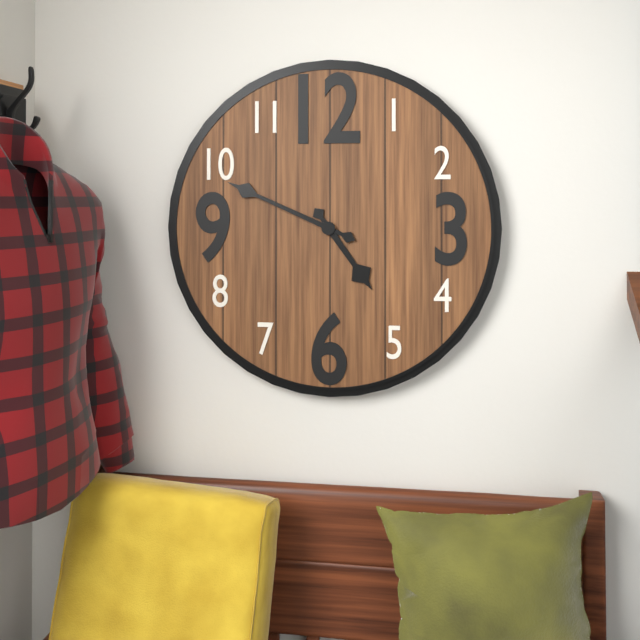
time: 4:49
